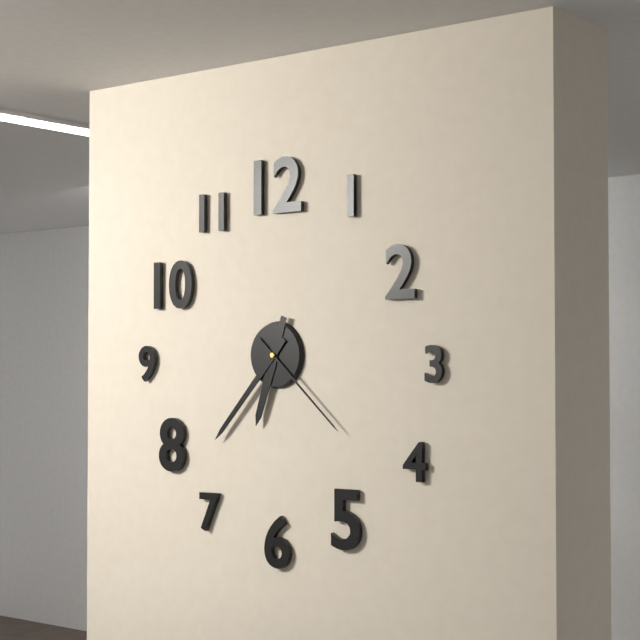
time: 6:37:22
